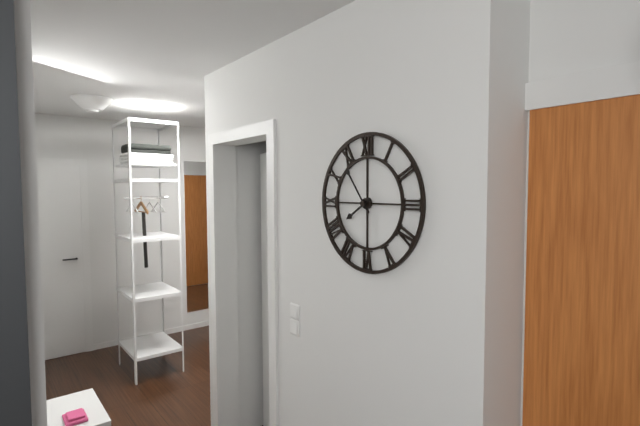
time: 7:54
